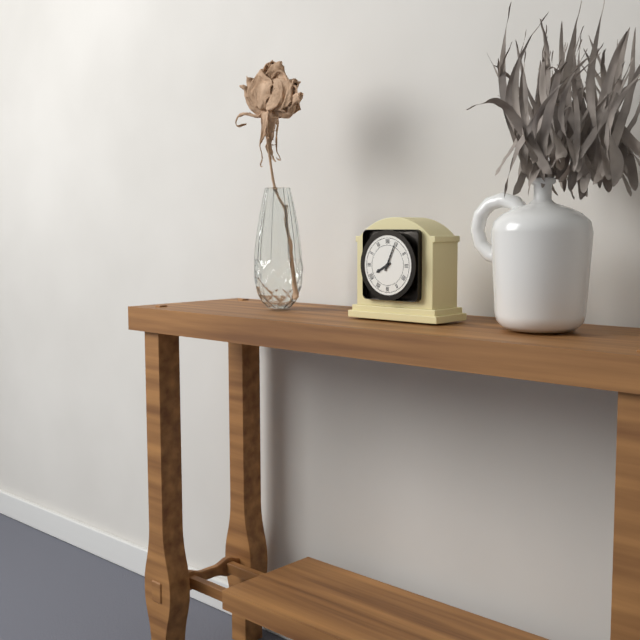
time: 8:04
